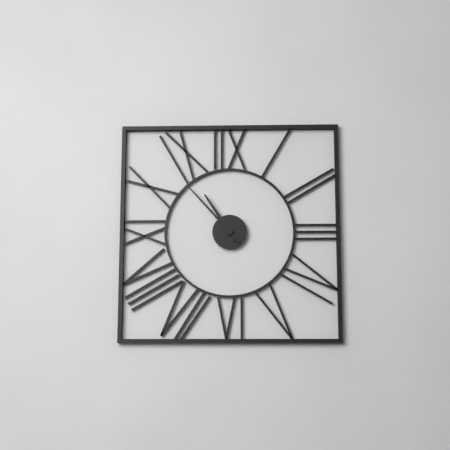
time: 10:53
